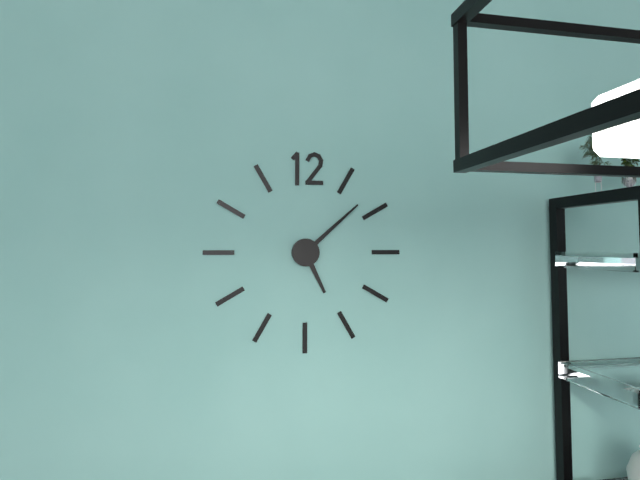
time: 5:08
